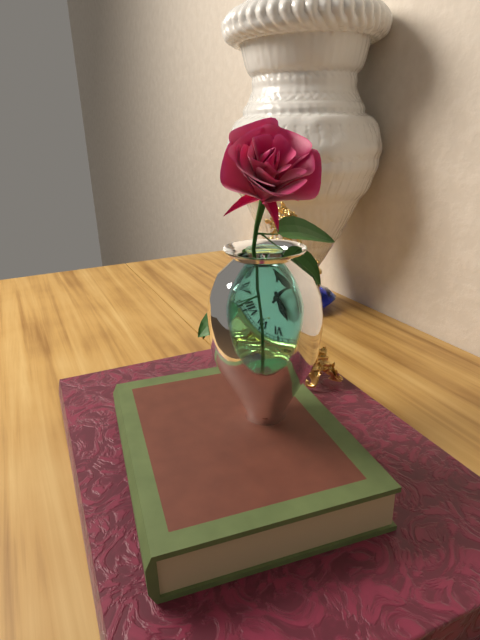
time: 5:06
